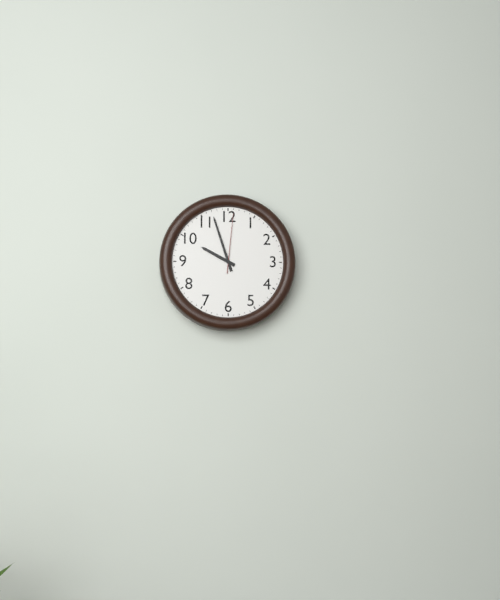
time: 9:57:01
